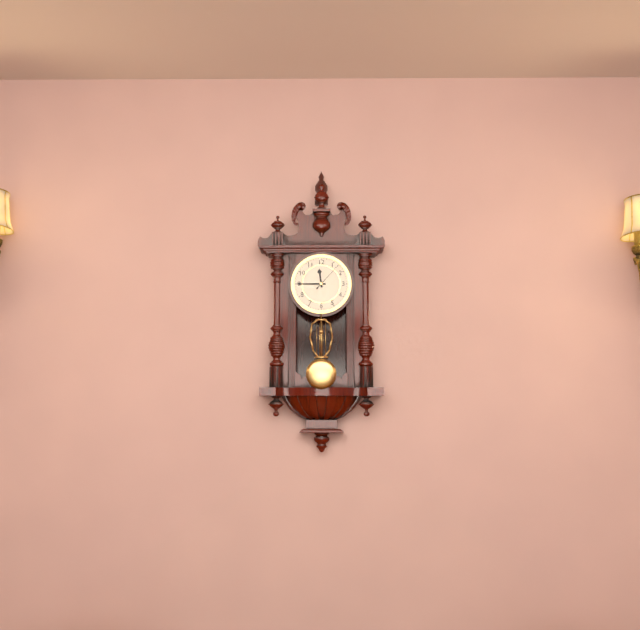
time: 11:45
